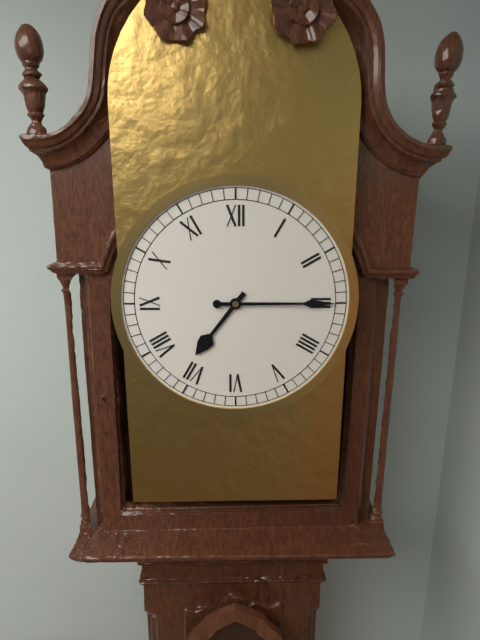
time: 7:15
